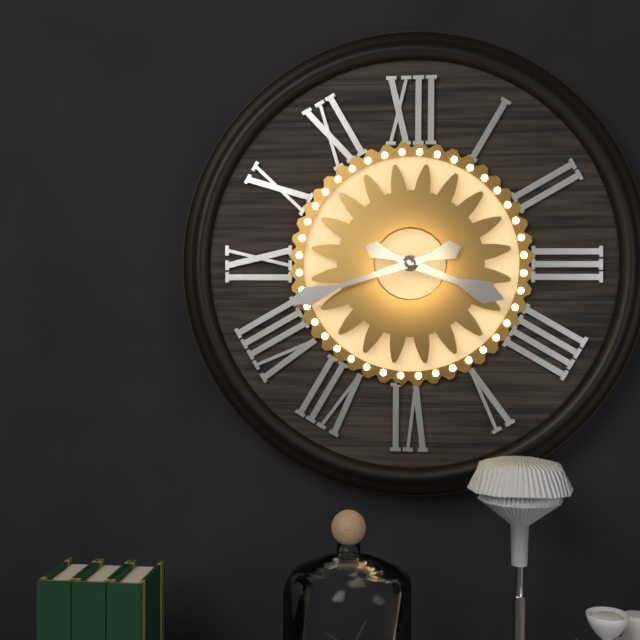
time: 3:42
